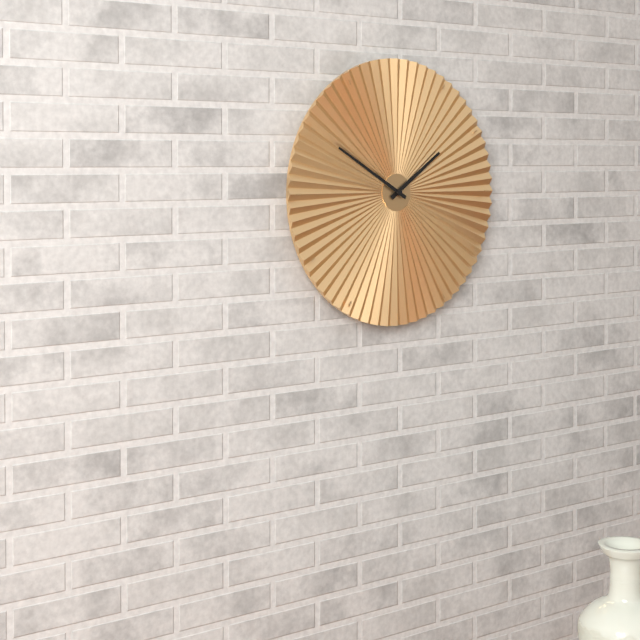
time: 1:50
